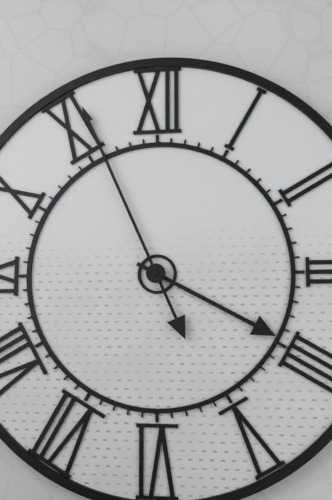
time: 3:56
